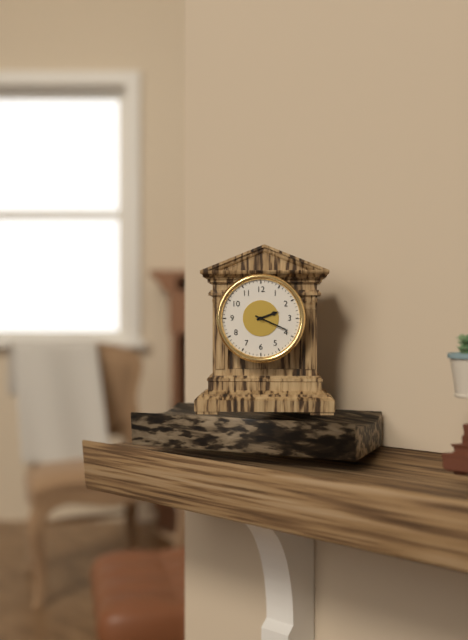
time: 2:19
